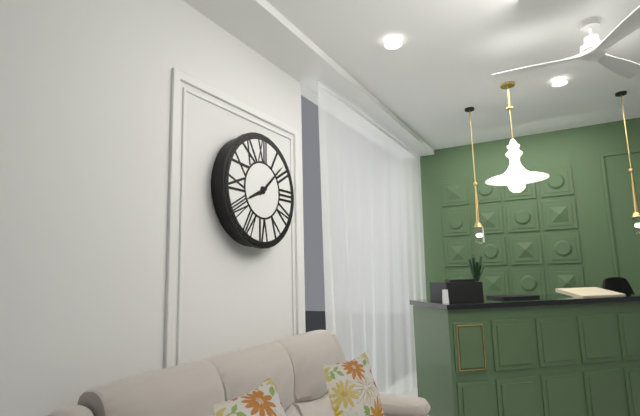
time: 8:08
